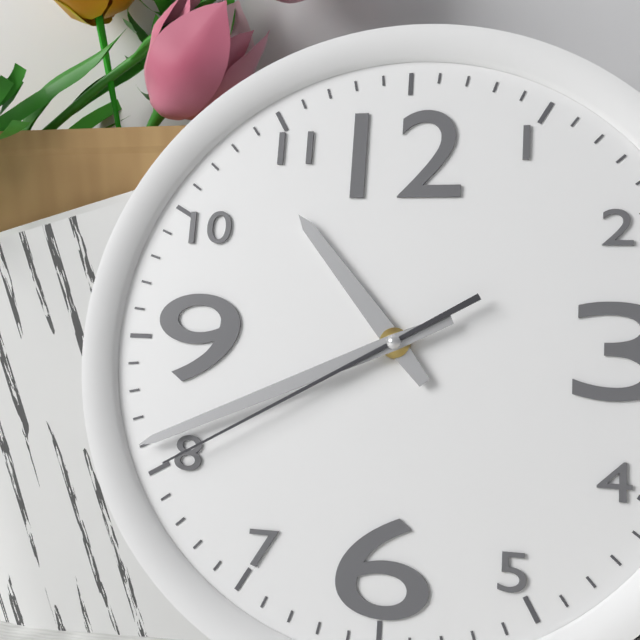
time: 10:41:40
